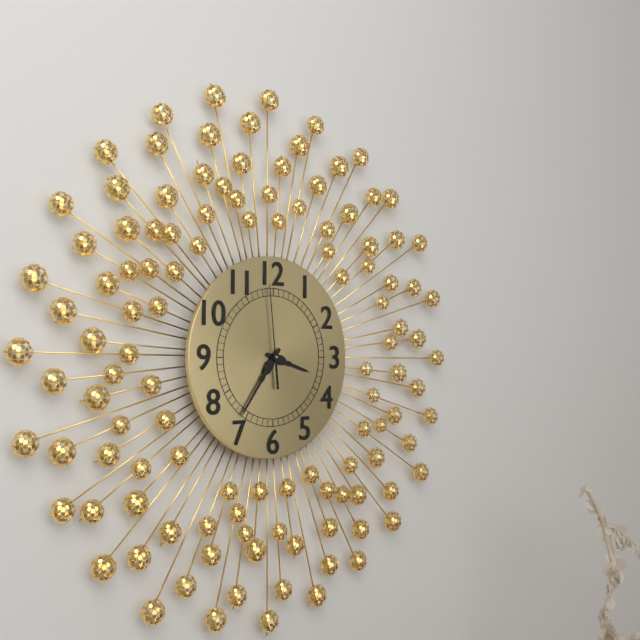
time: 3:36:59
